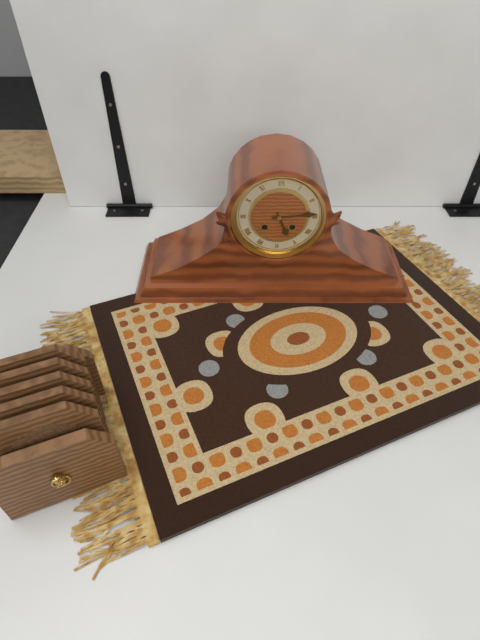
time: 5:14
